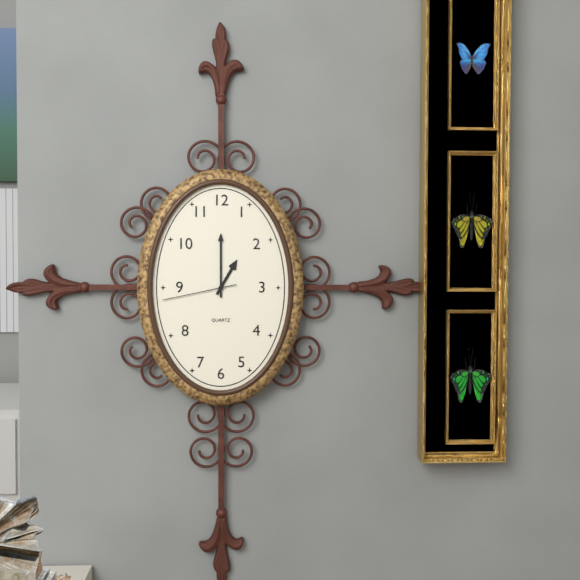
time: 1:00:43
